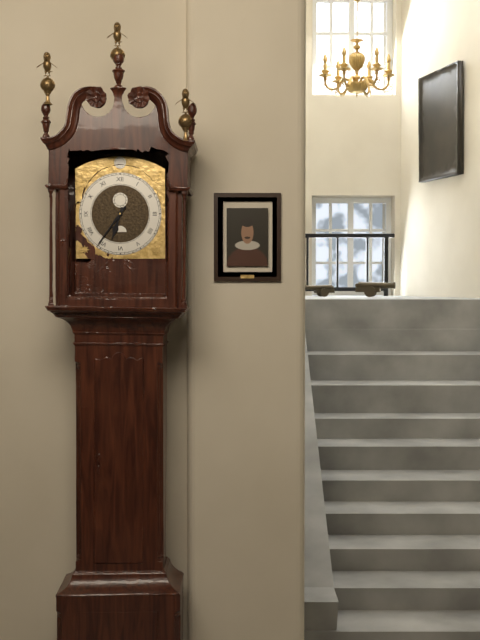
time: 6:36
